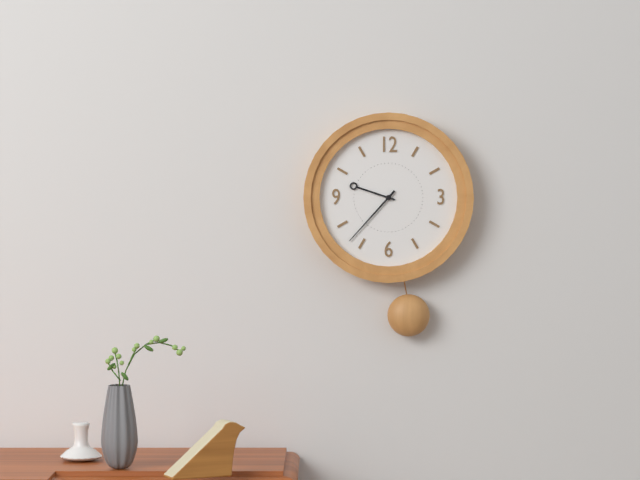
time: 9:37
